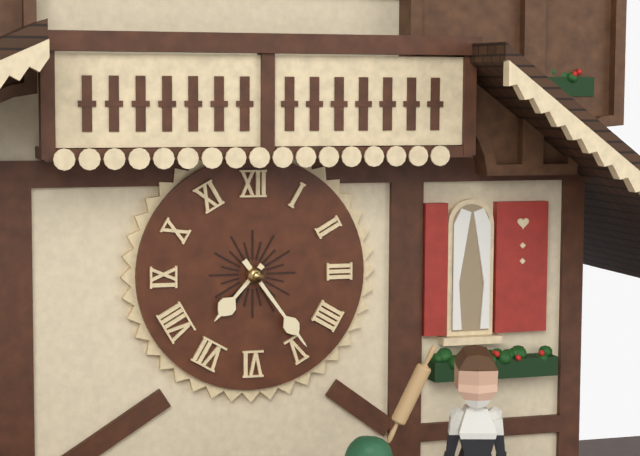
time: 7:24
